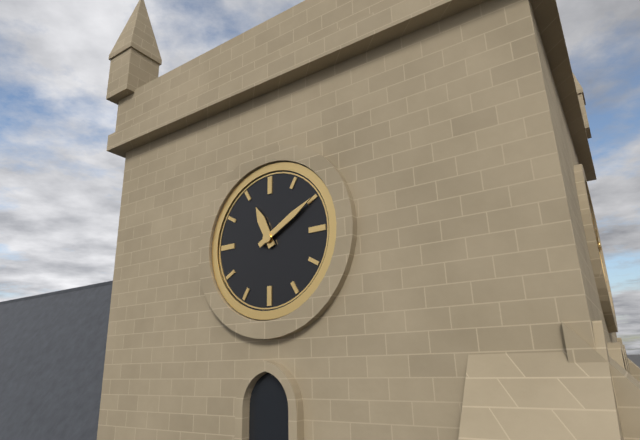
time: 11:10
